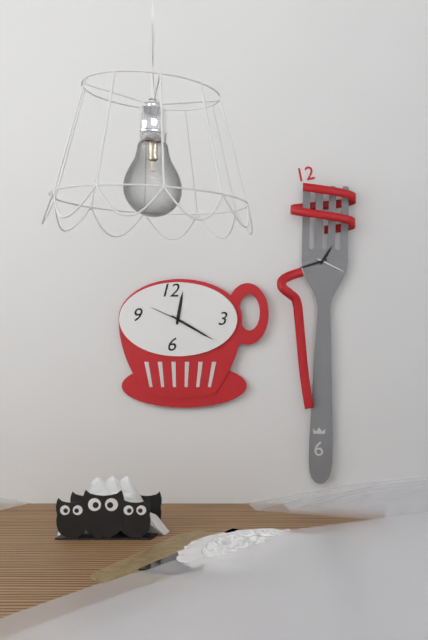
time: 12:20
